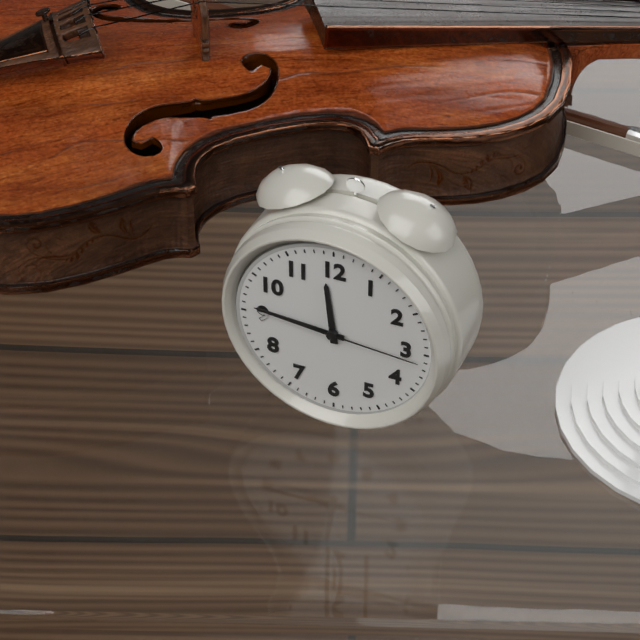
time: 11:46:16
